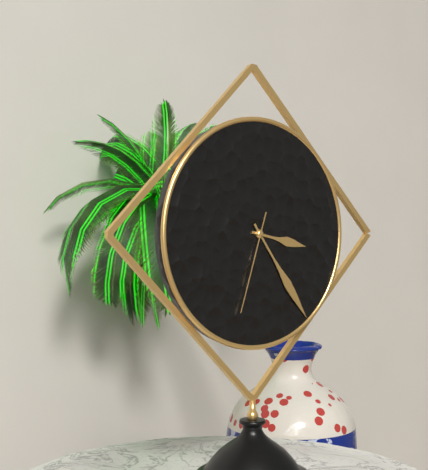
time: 3:24:33
